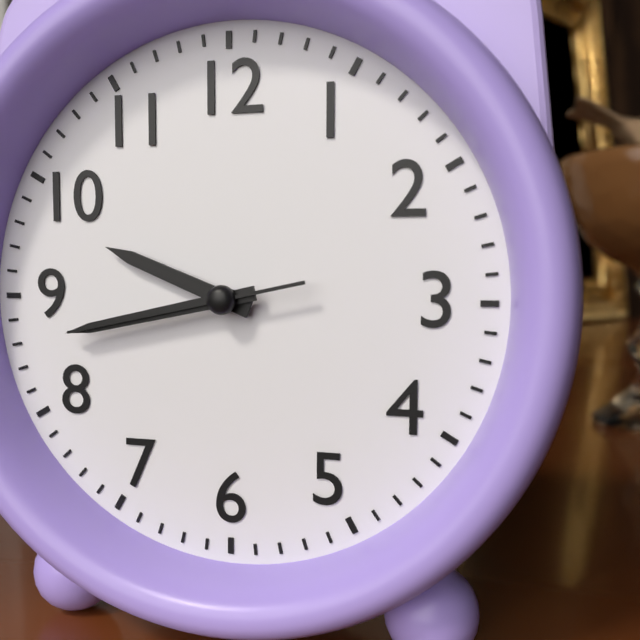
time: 9:43:43
